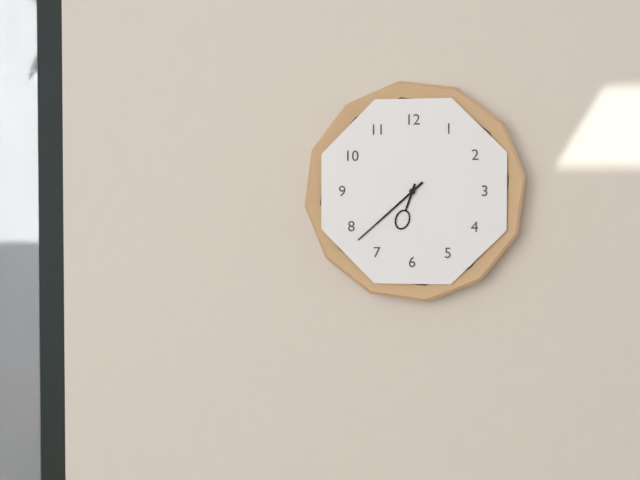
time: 6:38
